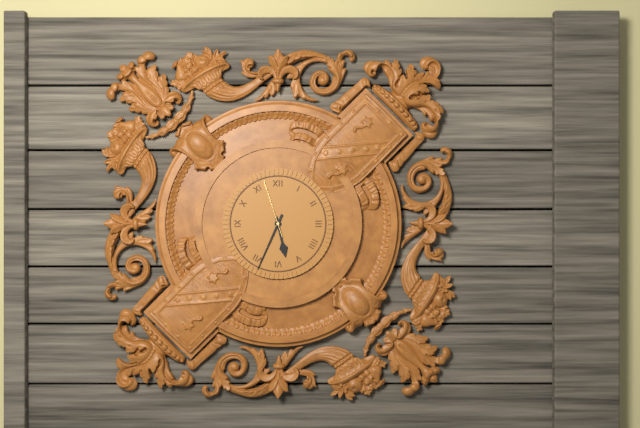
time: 5:34:57
